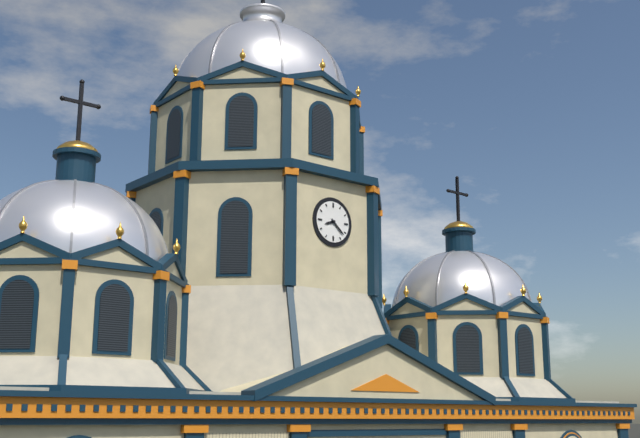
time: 8:22
